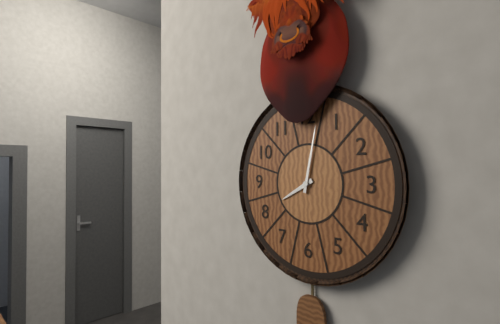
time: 8:02
